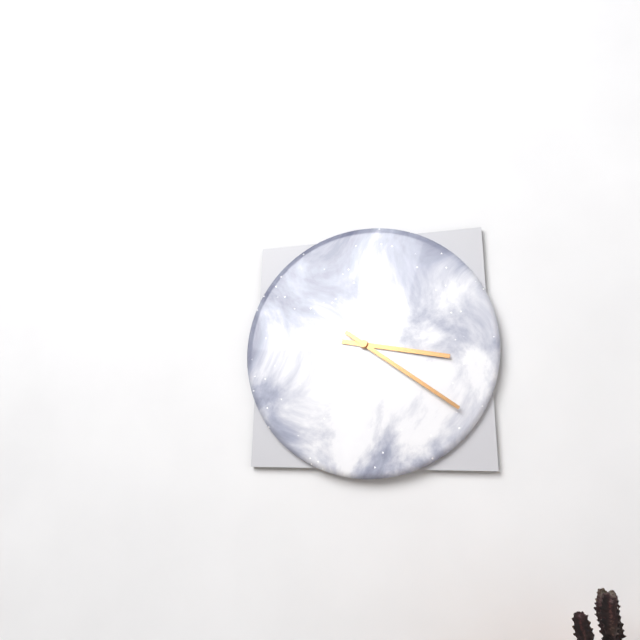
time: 3:21
